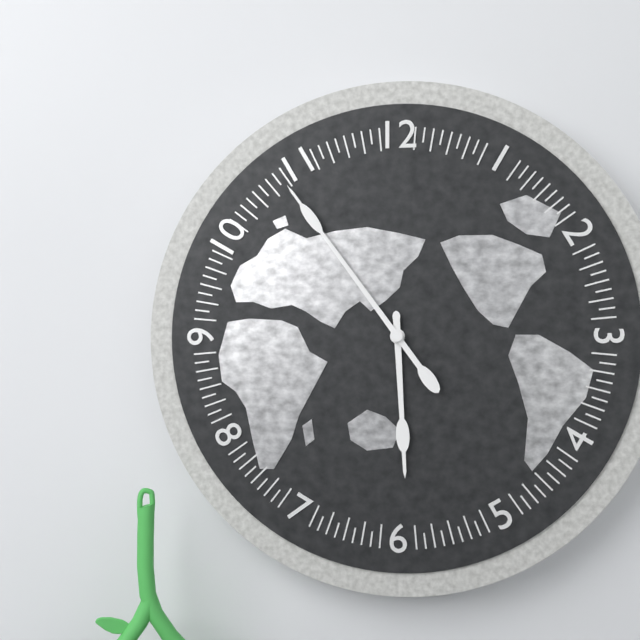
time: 5:54
